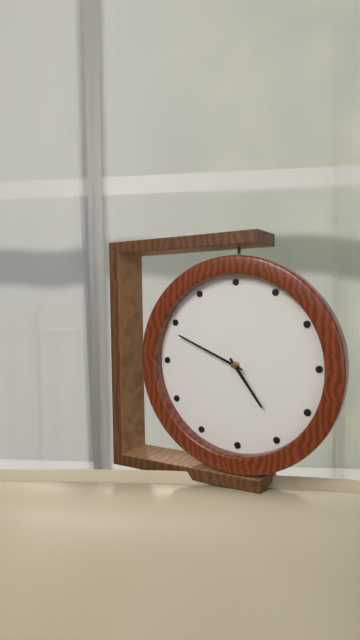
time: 4:49
